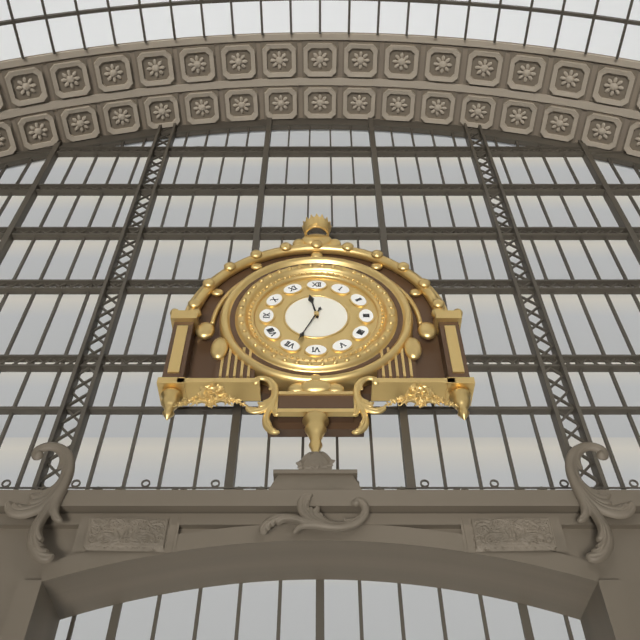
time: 11:34
